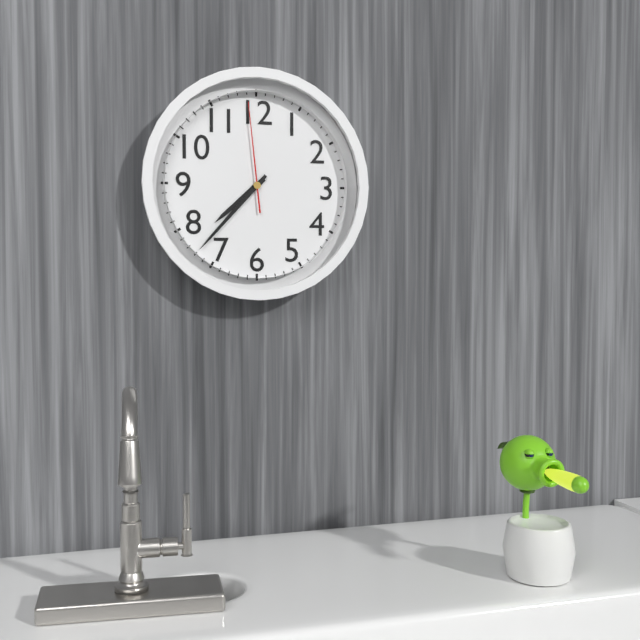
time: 7:37:59
